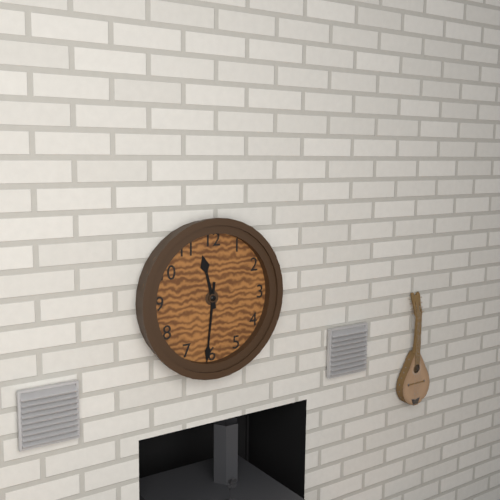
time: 11:31
